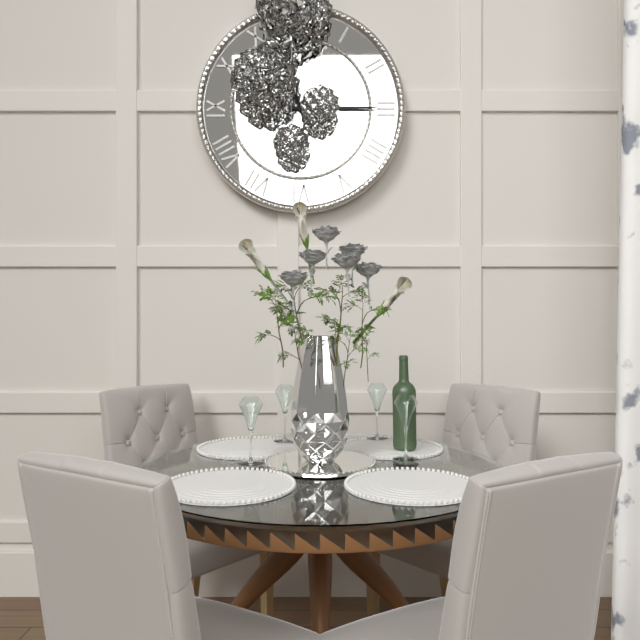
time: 11:15
